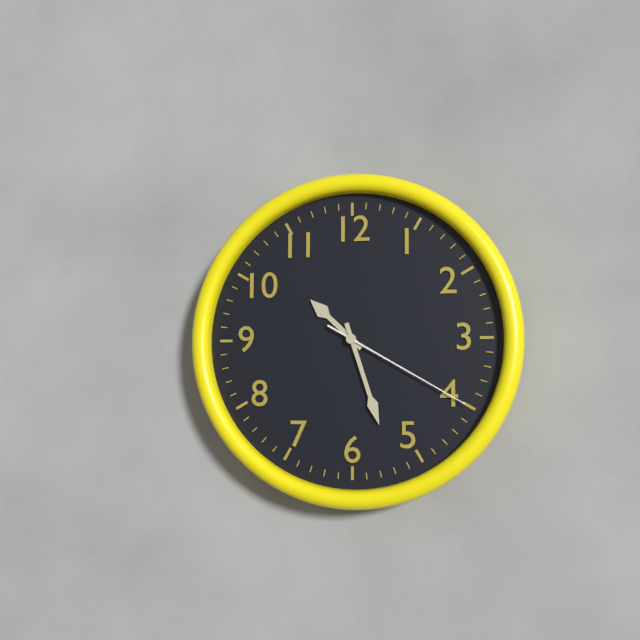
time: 10:27:20
